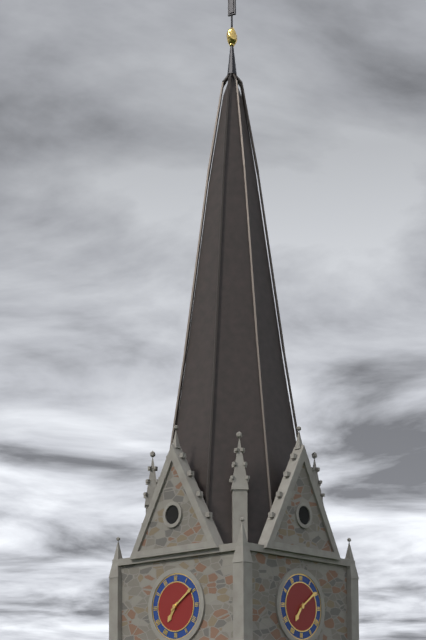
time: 7:09
